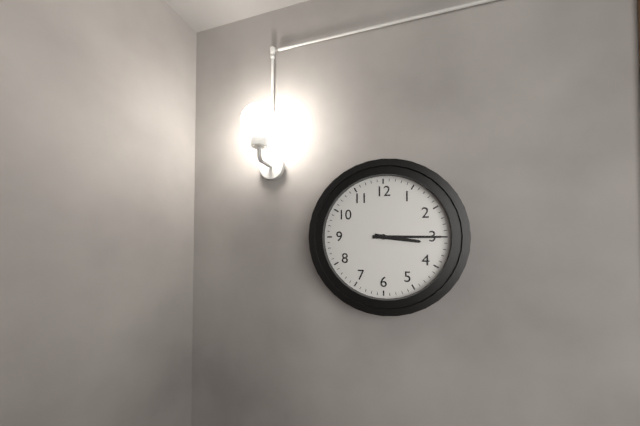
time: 3:15
